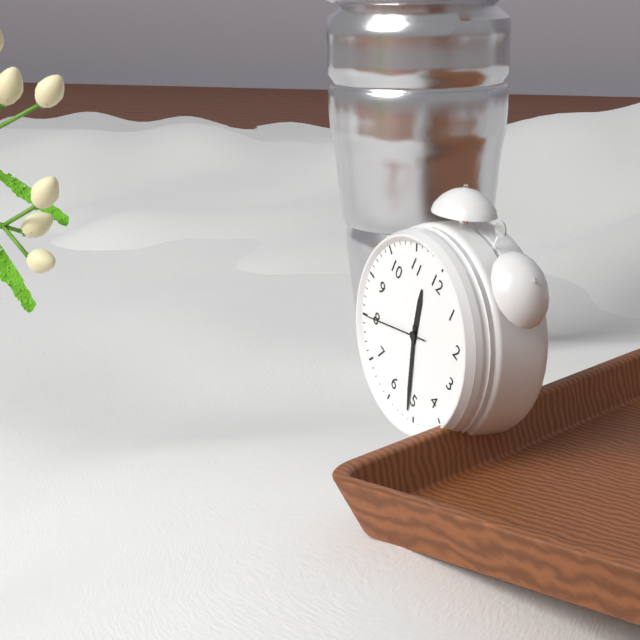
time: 11:26:40
